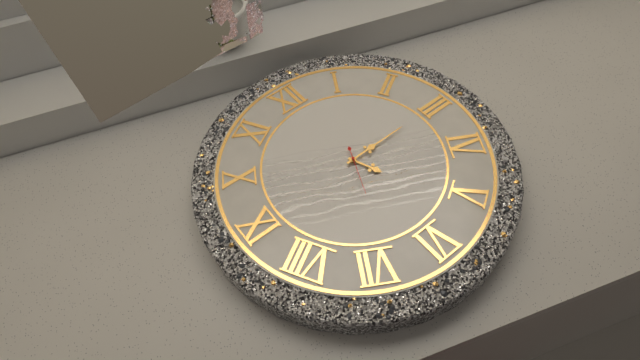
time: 5:15
